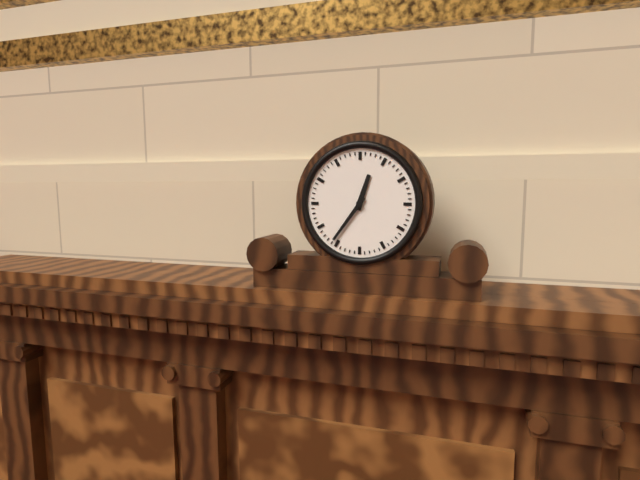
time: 12:36
